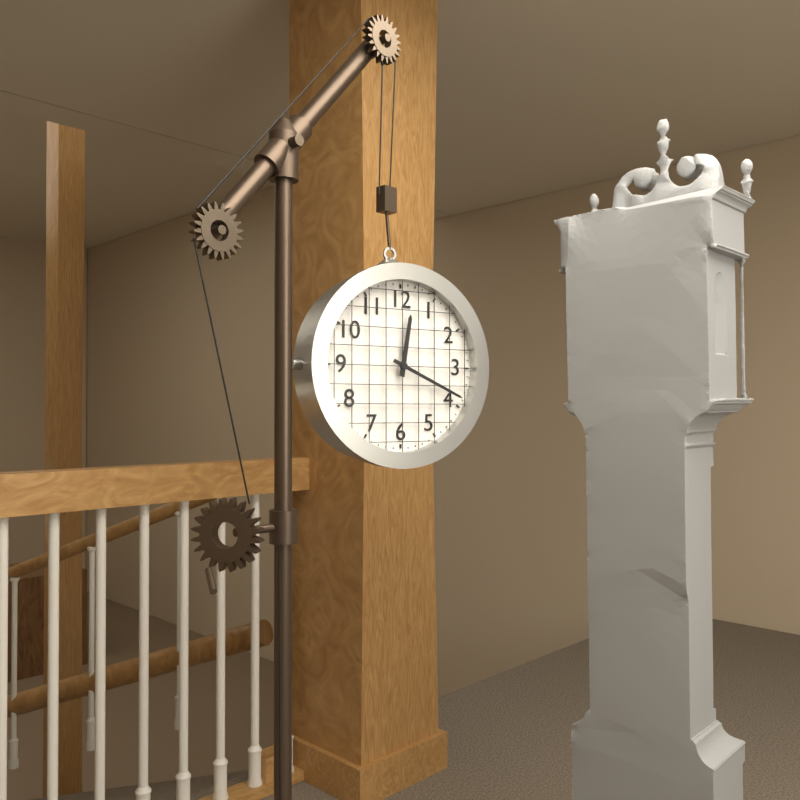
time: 12:19
